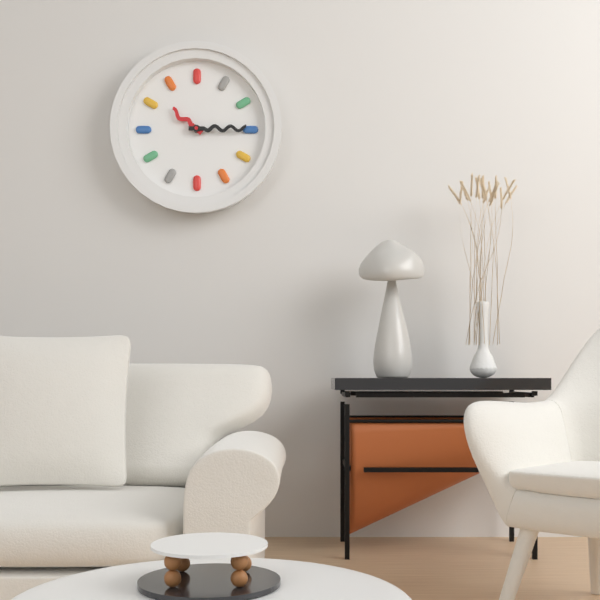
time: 10:15
